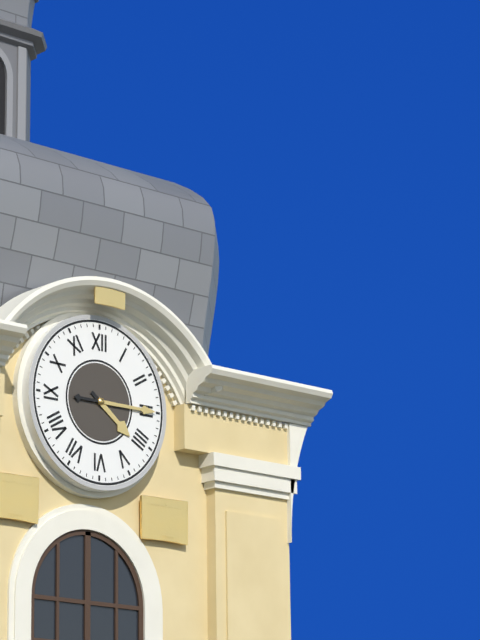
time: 4:15
